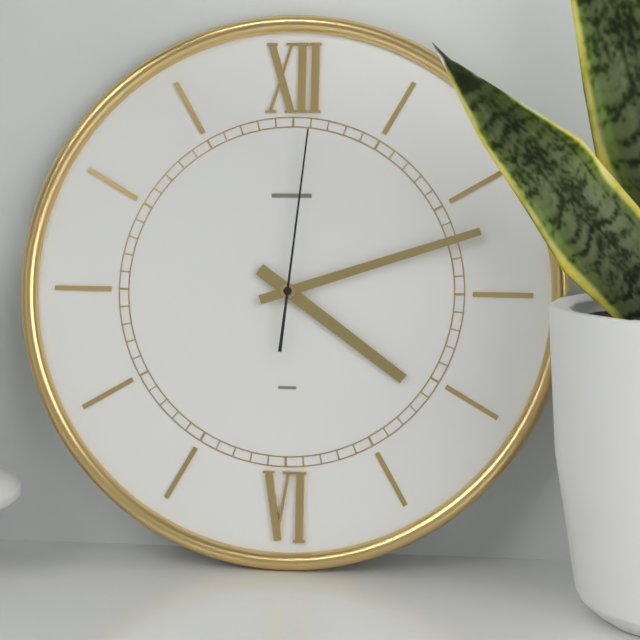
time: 4:12:01
